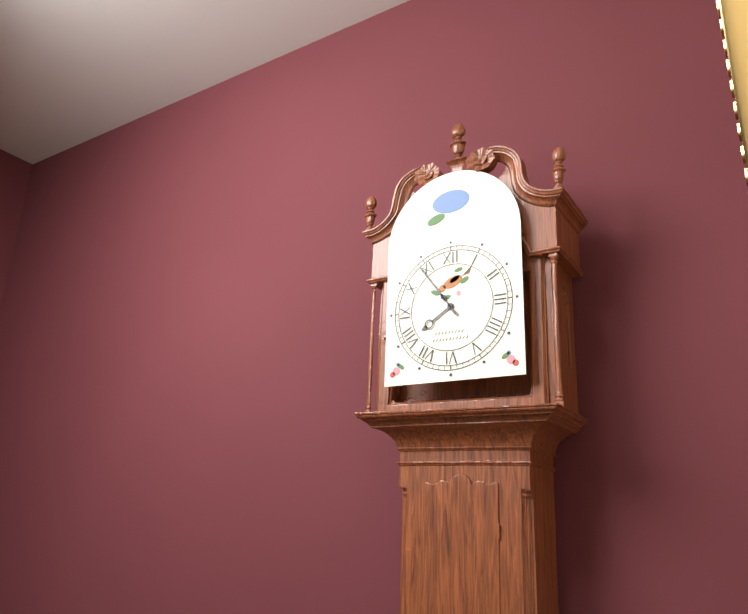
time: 7:54
